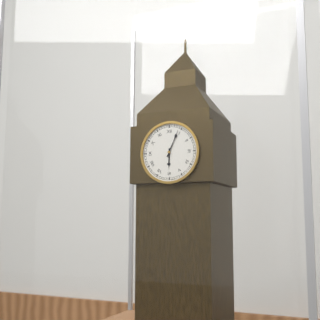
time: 6:04
